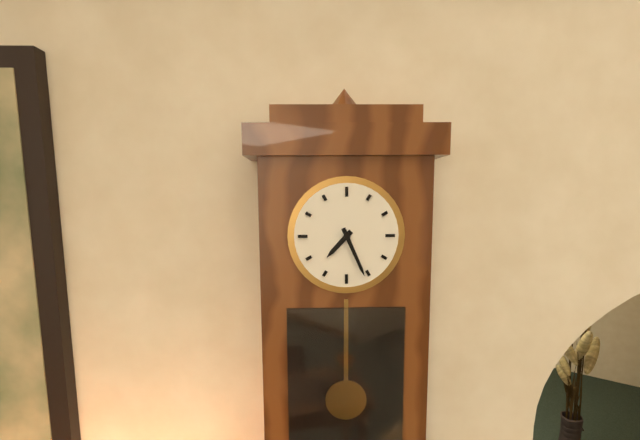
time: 7:26
